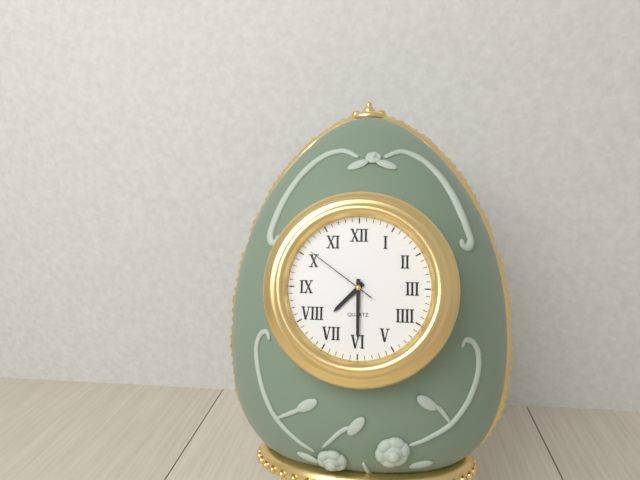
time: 7:30:51
